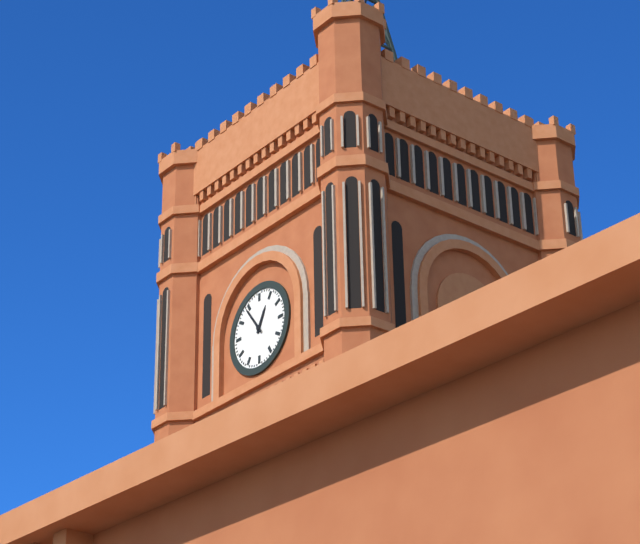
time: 12:54
